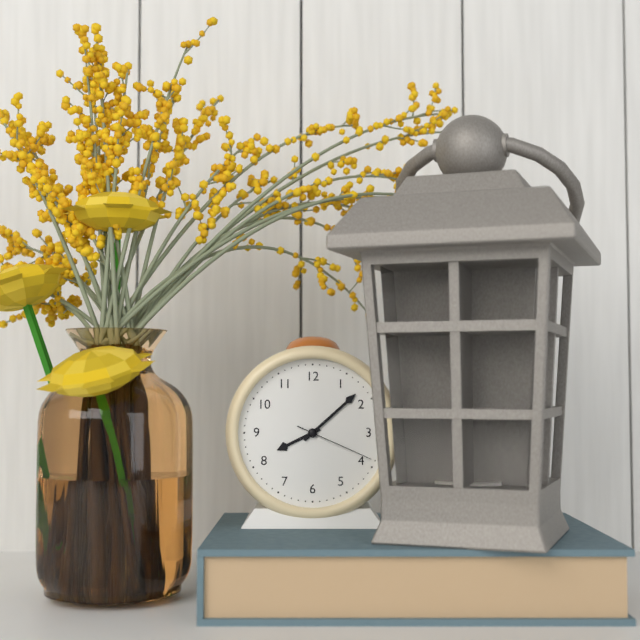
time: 8:08:19
